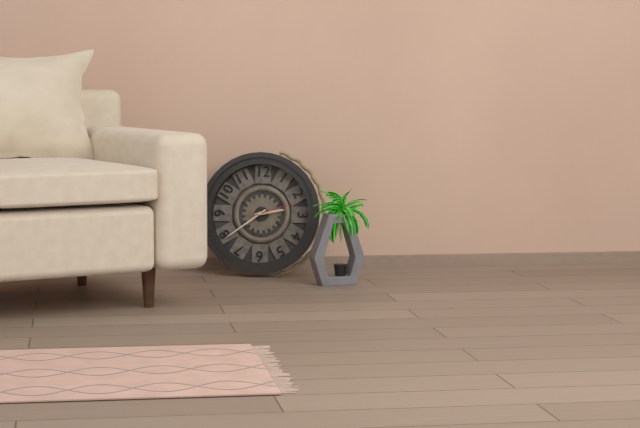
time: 2:39:12
